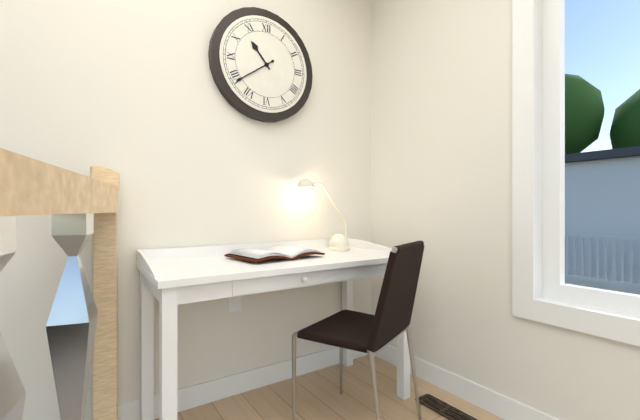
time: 10:39
